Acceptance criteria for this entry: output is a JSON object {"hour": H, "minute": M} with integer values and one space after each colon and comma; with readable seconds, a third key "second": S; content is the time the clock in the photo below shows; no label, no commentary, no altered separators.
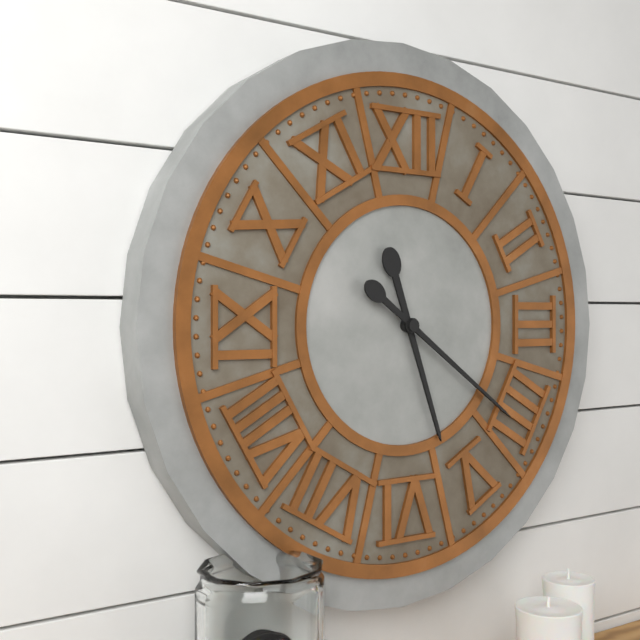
{"hour": 5, "minute": 21}
